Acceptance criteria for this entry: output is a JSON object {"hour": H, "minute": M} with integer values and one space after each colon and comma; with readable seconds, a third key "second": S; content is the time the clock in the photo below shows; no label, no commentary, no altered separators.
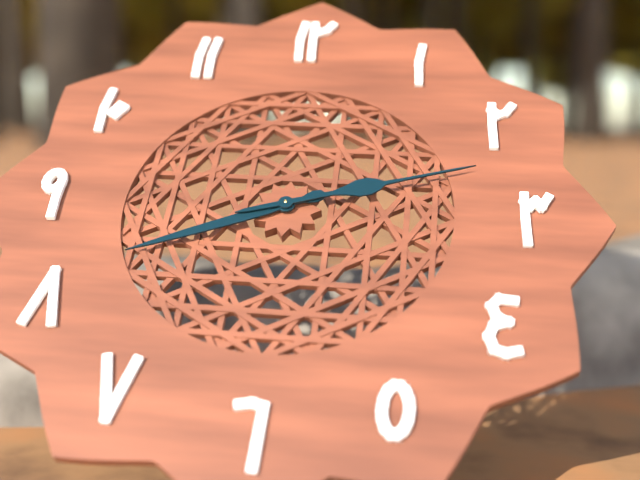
{"hour": 8, "minute": 12}
